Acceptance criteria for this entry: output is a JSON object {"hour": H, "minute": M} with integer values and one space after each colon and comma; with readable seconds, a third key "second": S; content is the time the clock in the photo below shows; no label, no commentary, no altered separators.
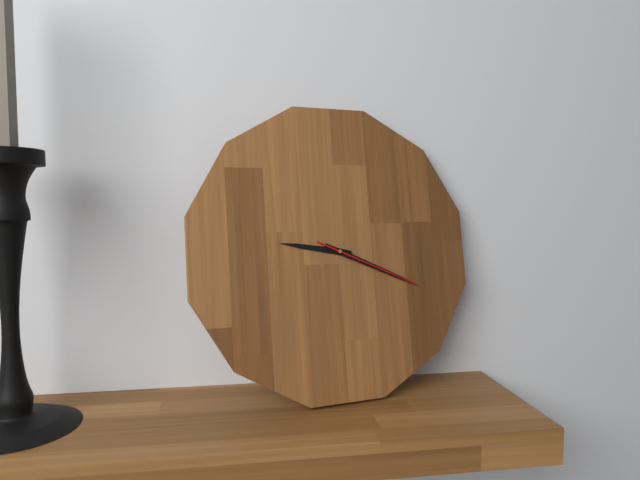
{"hour": 9, "minute": 19, "second": 19}
